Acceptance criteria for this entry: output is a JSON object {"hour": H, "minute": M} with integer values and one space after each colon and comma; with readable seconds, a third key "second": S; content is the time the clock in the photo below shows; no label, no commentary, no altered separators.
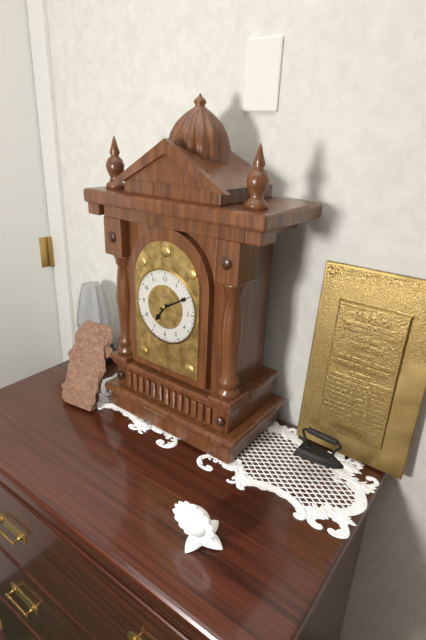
{"hour": 7, "minute": 10}
